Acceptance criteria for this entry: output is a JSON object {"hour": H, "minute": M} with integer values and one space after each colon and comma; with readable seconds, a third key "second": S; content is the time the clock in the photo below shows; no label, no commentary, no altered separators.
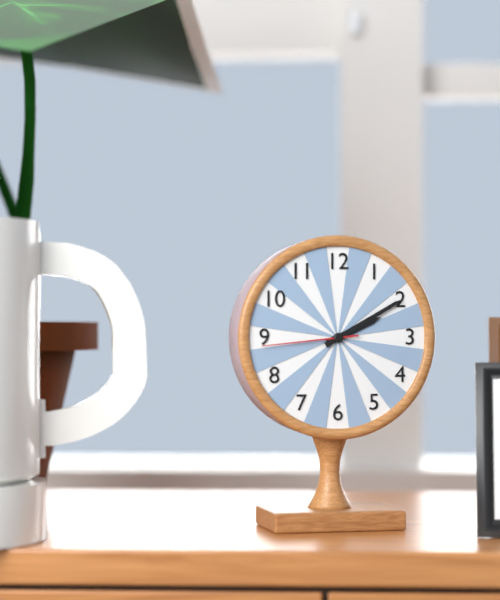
{"hour": 2, "minute": 10, "second": 44}
